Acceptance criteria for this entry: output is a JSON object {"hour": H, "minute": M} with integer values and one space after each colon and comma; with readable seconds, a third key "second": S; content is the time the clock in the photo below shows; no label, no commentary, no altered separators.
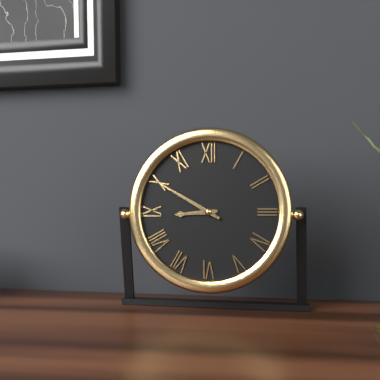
{"hour": 8, "minute": 50}
